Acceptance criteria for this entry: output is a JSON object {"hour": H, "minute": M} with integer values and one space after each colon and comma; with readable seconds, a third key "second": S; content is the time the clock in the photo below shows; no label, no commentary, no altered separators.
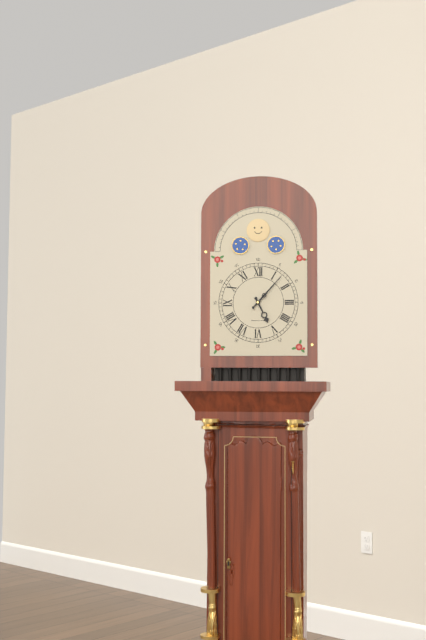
{"hour": 5, "minute": 7}
